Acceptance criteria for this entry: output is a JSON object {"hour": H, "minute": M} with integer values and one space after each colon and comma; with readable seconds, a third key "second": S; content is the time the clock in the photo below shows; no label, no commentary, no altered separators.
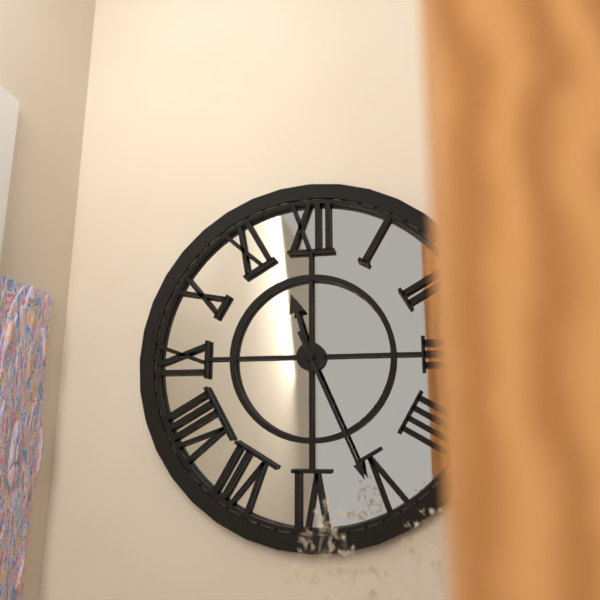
{"hour": 11, "minute": 26}
